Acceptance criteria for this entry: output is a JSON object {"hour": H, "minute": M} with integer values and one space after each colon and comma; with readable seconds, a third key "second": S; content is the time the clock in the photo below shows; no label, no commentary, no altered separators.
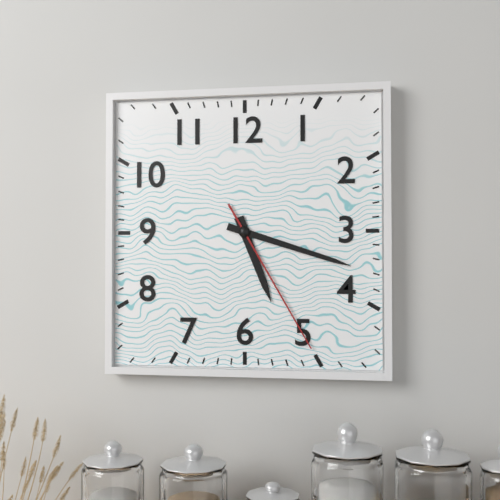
{"hour": 5, "minute": 18, "second": 25}
